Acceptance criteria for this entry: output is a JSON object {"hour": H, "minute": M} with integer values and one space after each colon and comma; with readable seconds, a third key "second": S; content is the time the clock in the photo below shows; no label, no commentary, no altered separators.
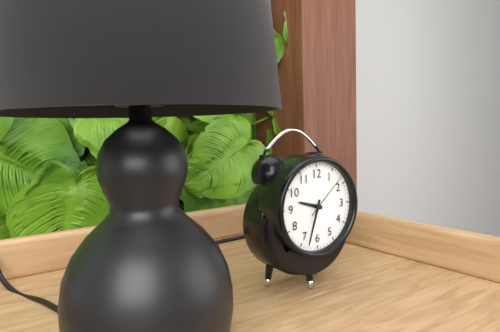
{"hour": 9, "minute": 33}
